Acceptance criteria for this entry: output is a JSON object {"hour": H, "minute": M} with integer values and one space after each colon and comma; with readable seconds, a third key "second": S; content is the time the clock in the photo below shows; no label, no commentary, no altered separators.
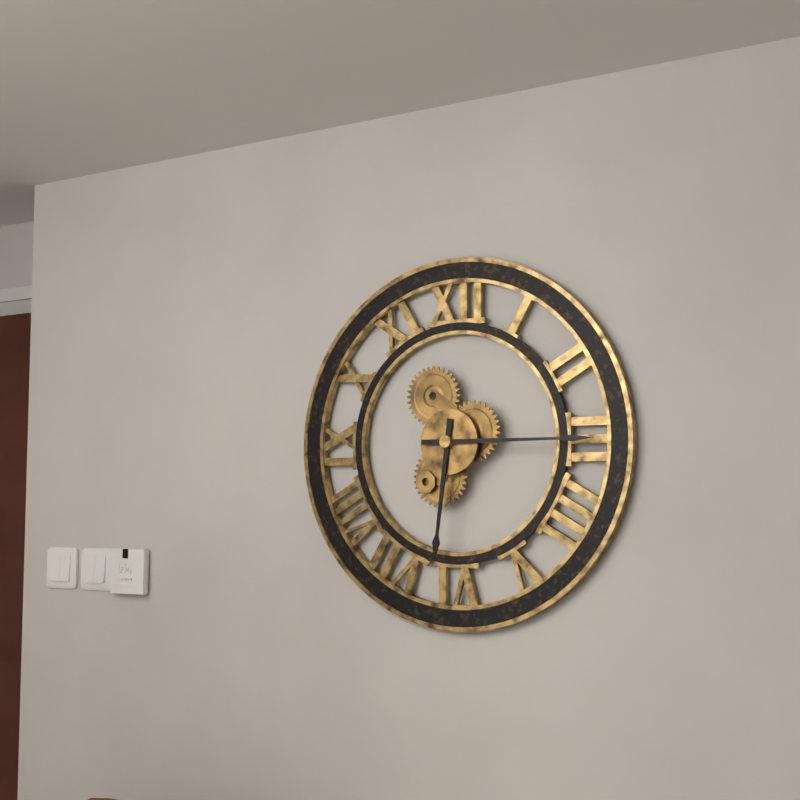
{"hour": 6, "minute": 15}
